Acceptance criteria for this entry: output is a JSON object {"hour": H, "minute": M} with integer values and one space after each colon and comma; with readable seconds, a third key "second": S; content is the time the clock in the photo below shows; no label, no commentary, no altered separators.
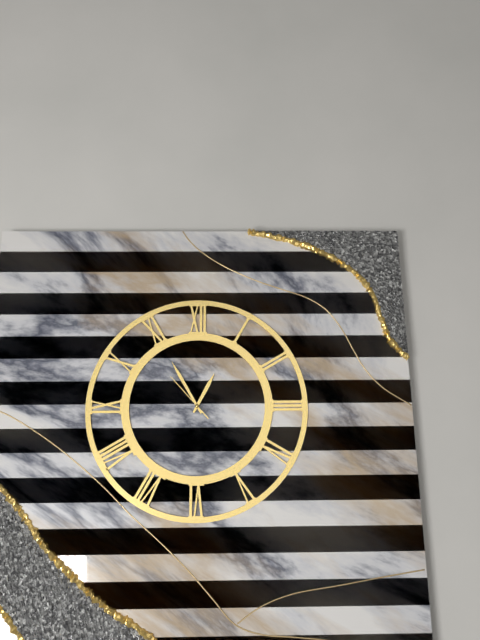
{"hour": 12, "minute": 55, "second": 53}
